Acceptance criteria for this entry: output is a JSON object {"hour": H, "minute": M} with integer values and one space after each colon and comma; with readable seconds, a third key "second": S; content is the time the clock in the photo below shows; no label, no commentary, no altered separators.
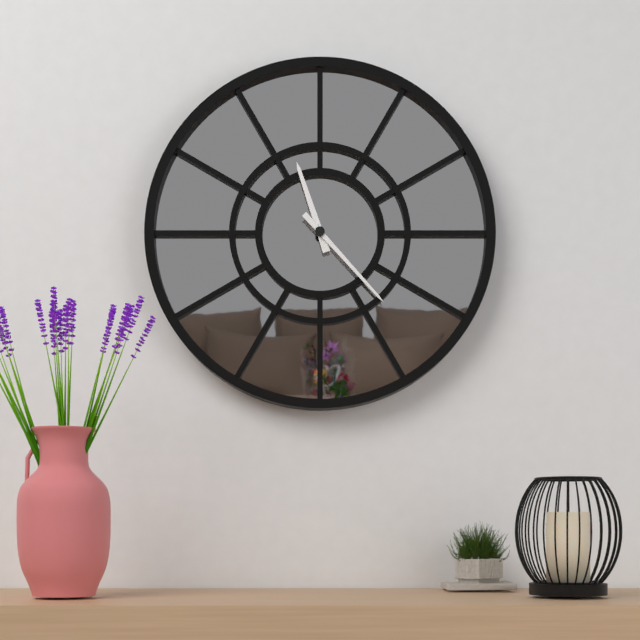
{"hour": 11, "minute": 23}
